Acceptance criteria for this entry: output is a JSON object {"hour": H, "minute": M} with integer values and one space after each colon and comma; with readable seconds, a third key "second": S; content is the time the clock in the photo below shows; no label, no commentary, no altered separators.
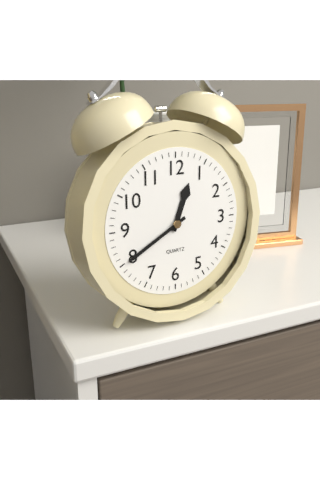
{"hour": 12, "minute": 40}
